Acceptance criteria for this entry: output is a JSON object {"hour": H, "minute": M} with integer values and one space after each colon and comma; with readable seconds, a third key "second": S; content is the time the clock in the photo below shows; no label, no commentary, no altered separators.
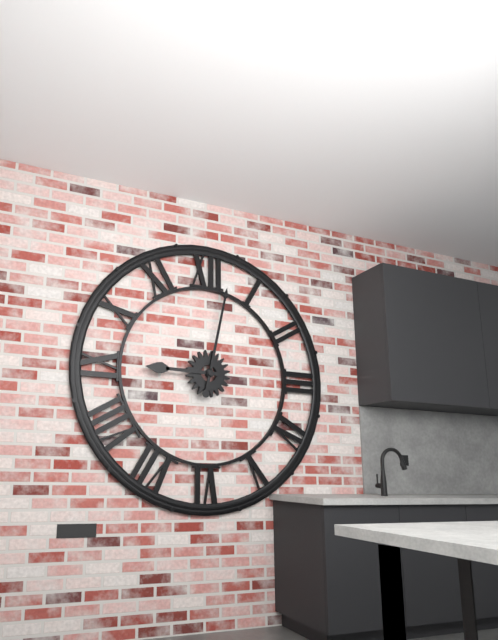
{"hour": 9, "minute": 2}
